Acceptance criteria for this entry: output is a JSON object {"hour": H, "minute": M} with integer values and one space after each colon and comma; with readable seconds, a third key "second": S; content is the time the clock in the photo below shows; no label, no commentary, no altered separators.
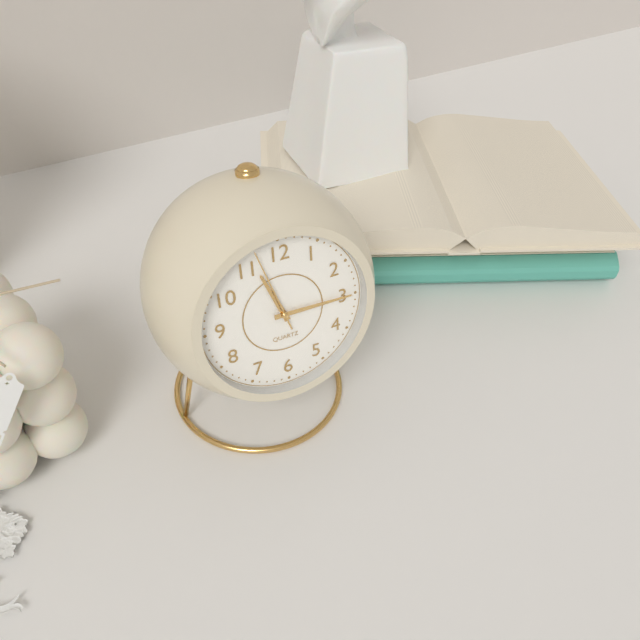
{"hour": 11, "minute": 15, "second": 57}
